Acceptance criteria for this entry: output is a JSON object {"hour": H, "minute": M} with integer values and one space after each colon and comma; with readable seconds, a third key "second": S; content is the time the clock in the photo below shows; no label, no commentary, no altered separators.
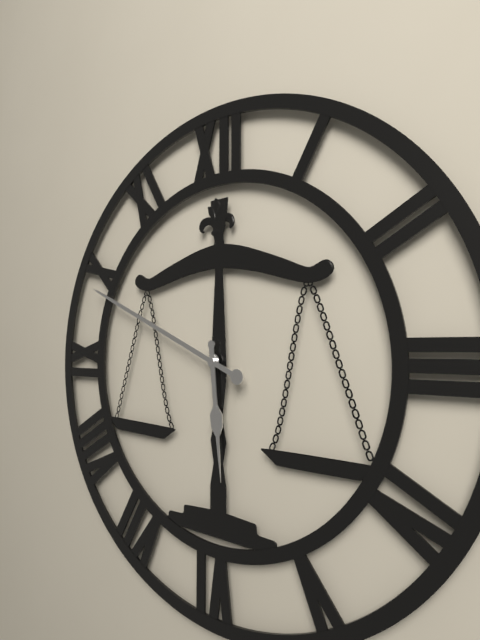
{"hour": 5, "minute": 49}
